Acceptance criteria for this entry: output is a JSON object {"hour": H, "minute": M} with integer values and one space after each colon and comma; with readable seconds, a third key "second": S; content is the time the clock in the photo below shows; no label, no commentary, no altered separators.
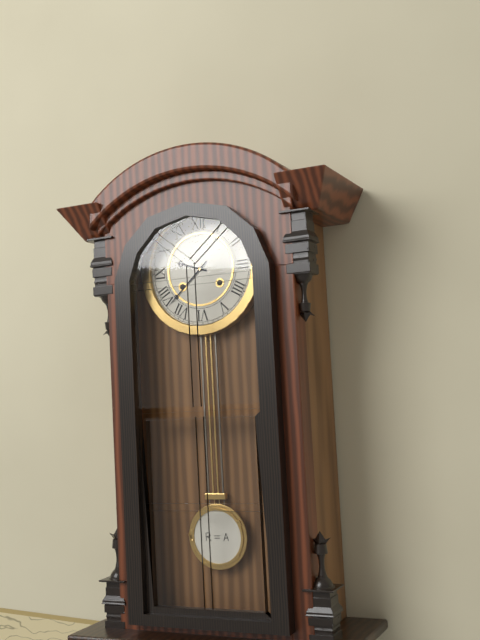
{"hour": 9, "minute": 38}
